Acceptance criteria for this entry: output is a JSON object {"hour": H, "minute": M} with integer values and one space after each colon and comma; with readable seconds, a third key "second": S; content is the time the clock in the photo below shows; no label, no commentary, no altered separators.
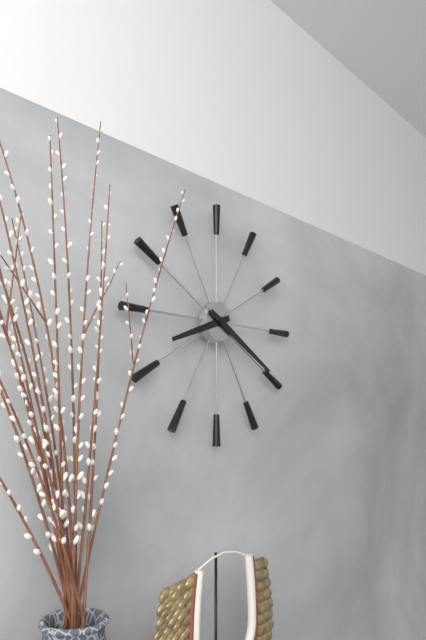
{"hour": 8, "minute": 20}
